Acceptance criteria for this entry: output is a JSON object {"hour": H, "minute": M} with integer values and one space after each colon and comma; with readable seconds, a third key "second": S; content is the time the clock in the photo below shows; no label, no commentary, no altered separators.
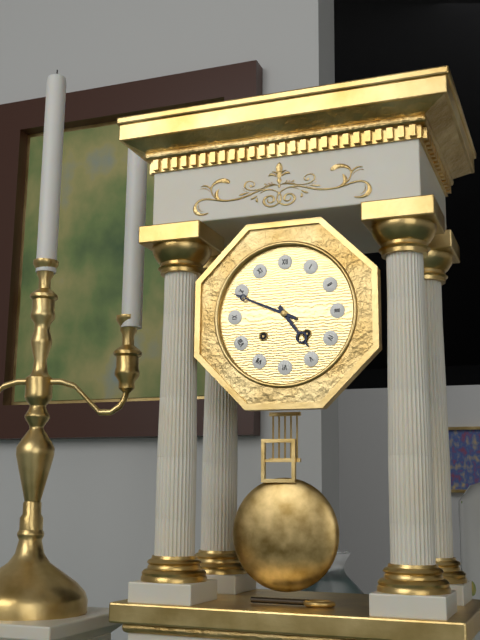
{"hour": 4, "minute": 49}
